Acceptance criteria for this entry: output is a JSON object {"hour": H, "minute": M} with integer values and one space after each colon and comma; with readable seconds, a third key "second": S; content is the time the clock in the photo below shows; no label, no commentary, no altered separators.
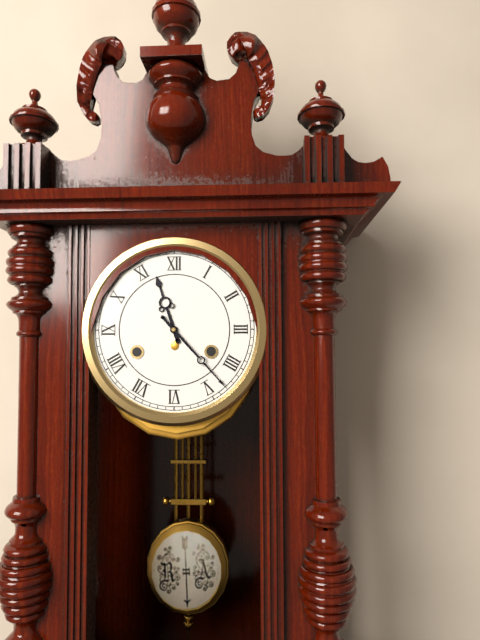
{"hour": 11, "minute": 23}
